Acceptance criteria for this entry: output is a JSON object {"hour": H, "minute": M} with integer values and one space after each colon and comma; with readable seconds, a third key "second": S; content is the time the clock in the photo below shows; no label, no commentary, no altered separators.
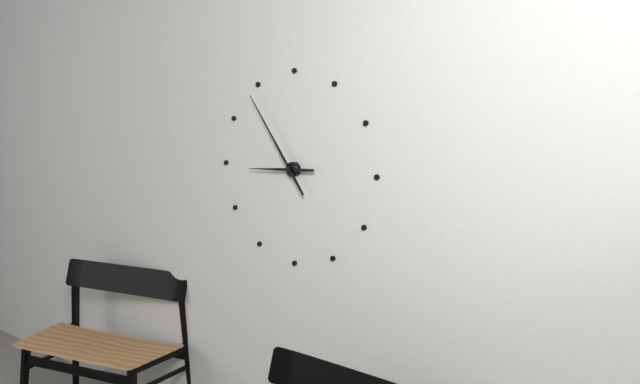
{"hour": 8, "minute": 54}
